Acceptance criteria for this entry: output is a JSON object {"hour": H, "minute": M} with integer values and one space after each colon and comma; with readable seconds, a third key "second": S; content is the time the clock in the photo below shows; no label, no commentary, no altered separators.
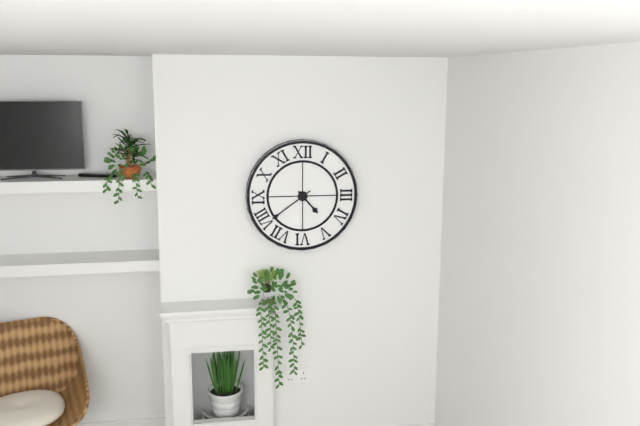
{"hour": 4, "minute": 39}
